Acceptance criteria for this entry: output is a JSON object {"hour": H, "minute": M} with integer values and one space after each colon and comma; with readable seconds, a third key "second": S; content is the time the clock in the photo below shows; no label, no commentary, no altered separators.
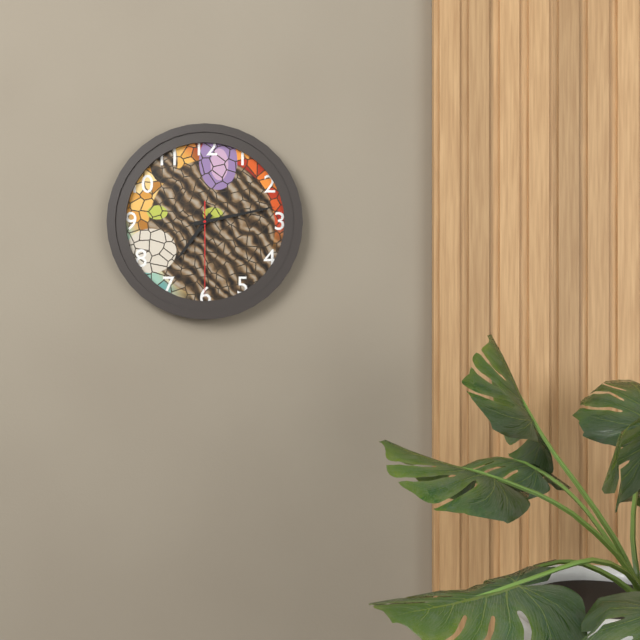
{"hour": 7, "minute": 13, "second": 30}
